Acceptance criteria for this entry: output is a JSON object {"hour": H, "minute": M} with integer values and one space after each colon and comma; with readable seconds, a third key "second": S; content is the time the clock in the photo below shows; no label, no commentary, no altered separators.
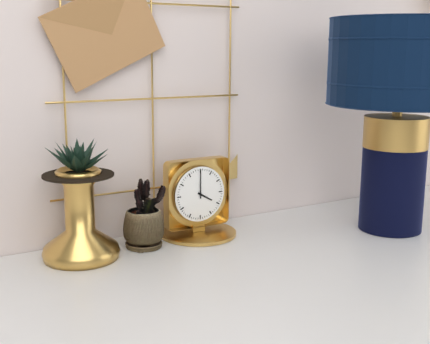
{"hour": 4, "minute": 0}
